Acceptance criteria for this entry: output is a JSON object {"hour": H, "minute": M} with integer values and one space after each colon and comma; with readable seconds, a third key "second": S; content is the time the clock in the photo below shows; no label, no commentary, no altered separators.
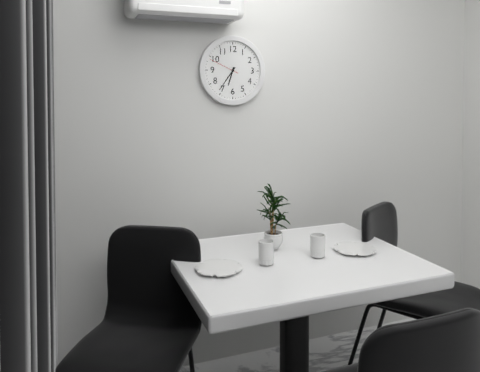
{"hour": 6, "minute": 36}
